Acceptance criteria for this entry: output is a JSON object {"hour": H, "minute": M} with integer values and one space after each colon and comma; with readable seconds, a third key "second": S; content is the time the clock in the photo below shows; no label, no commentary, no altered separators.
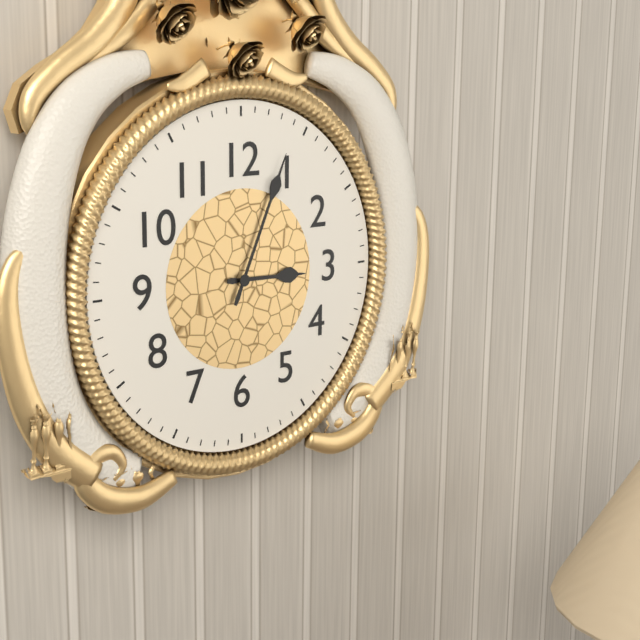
{"hour": 3, "minute": 4}
